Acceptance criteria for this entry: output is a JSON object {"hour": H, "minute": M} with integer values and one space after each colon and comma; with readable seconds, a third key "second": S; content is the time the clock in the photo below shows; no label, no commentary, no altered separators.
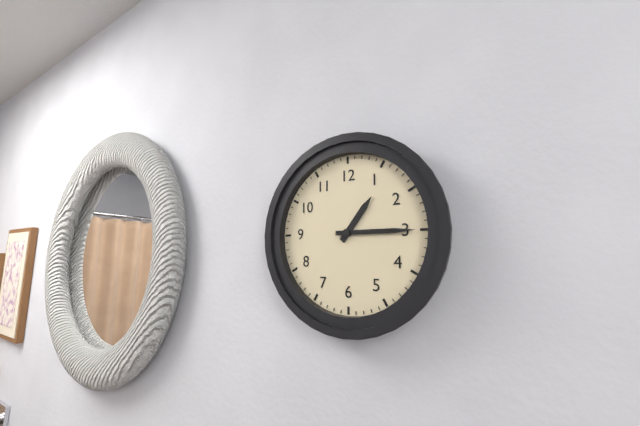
{"hour": 1, "minute": 15}
